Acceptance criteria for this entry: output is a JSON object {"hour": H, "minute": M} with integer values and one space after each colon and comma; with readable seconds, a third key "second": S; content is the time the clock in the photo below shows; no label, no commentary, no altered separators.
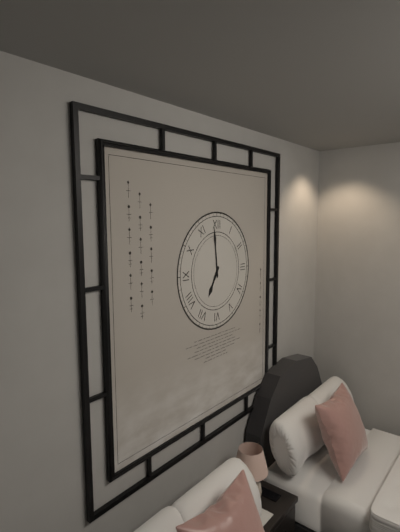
{"hour": 6, "minute": 59}
